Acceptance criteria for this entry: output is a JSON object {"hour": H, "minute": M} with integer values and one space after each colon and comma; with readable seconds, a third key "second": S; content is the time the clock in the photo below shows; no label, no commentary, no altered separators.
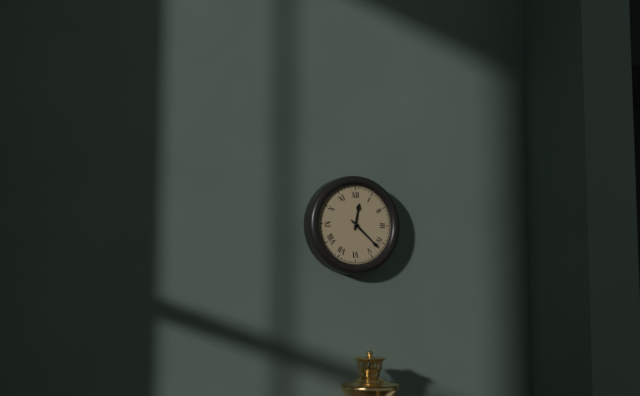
{"hour": 12, "minute": 22}
